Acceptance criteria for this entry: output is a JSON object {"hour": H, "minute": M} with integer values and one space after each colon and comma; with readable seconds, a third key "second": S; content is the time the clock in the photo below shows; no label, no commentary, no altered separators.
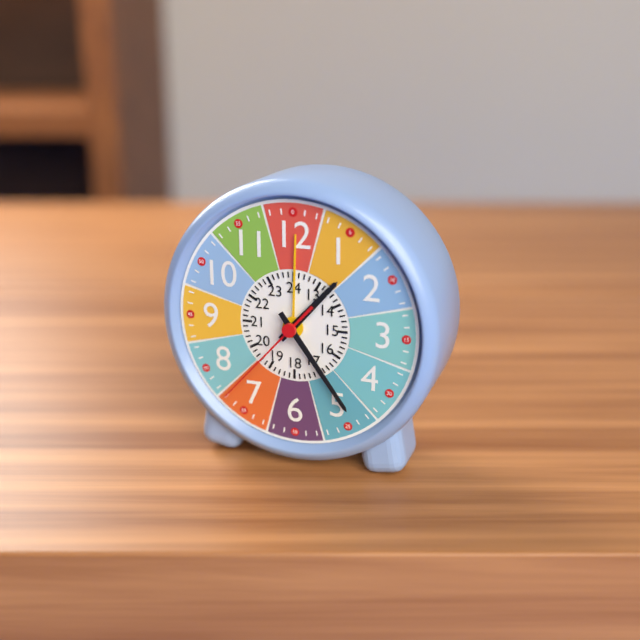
{"hour": 1, "minute": 24, "second": 37}
